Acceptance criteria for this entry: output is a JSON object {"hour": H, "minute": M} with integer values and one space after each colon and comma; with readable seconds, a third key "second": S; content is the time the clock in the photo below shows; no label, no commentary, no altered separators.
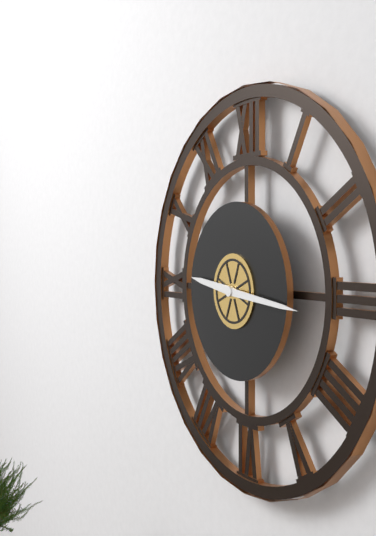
{"hour": 9, "minute": 16}
